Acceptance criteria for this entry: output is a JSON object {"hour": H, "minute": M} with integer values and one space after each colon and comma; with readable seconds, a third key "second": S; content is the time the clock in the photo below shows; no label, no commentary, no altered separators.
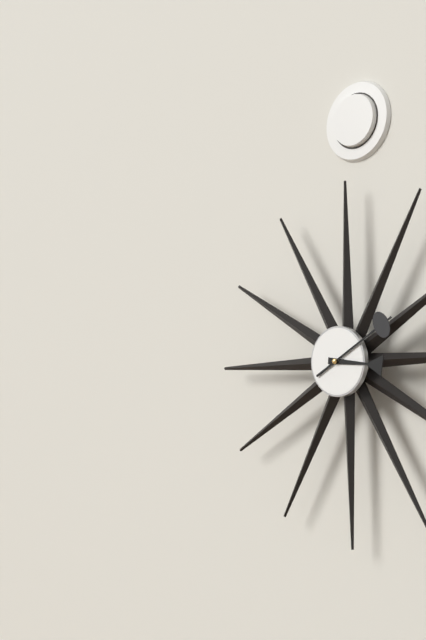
{"hour": 3, "minute": 10}
